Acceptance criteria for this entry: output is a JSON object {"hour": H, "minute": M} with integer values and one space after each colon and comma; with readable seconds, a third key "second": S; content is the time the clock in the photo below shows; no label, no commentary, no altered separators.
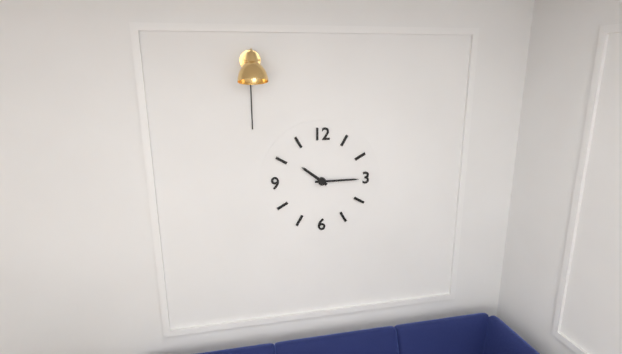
{"hour": 10, "minute": 15}
